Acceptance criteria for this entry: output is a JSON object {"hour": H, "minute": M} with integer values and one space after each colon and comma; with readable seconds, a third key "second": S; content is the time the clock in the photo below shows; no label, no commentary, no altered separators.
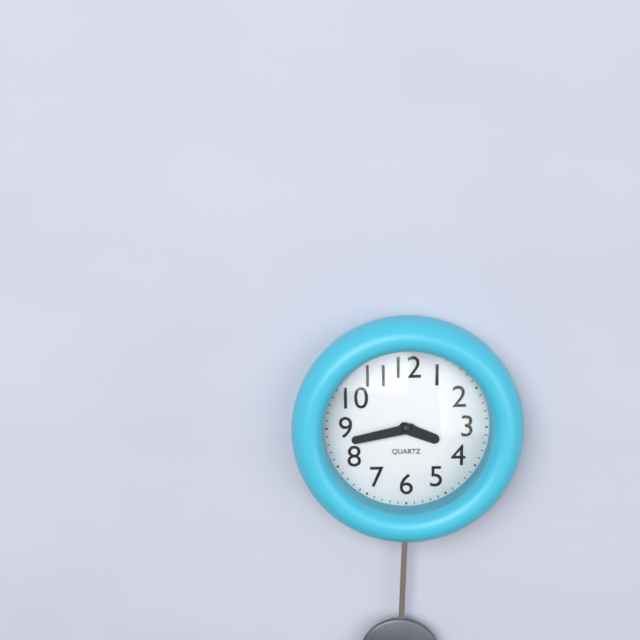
{"hour": 3, "minute": 43}
